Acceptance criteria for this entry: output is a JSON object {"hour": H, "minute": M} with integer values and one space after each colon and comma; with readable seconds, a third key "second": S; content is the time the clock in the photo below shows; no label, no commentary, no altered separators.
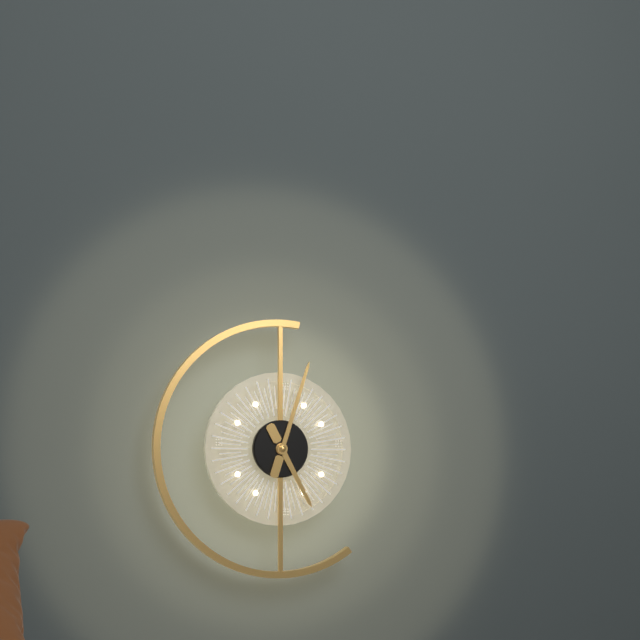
{"hour": 5, "minute": 3}
